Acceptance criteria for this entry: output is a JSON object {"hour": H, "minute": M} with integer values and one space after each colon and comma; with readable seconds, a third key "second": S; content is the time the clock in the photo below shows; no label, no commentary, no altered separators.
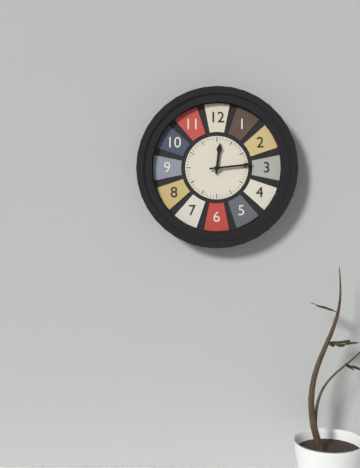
{"hour": 12, "minute": 14}
